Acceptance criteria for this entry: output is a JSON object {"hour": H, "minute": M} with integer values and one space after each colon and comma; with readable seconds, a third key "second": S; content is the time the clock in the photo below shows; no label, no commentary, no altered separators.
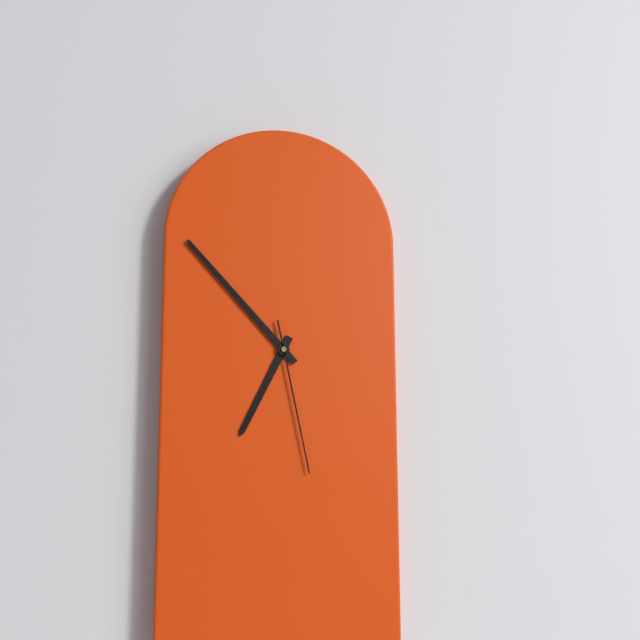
{"hour": 6, "minute": 53, "second": 28}
